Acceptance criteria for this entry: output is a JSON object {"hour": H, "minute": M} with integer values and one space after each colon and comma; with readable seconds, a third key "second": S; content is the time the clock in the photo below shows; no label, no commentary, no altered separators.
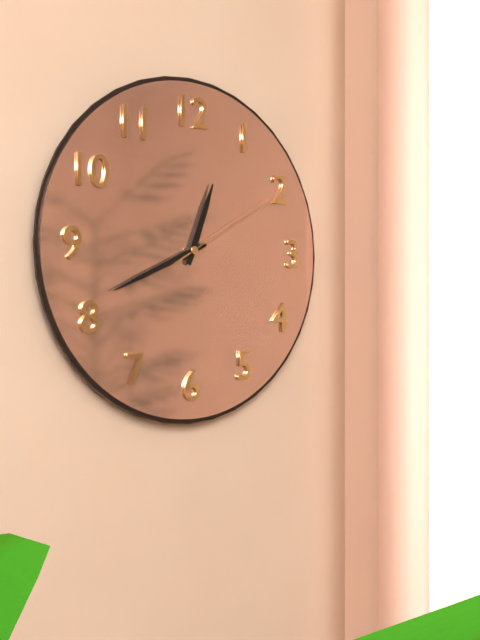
{"hour": 12, "minute": 41, "second": 10}
